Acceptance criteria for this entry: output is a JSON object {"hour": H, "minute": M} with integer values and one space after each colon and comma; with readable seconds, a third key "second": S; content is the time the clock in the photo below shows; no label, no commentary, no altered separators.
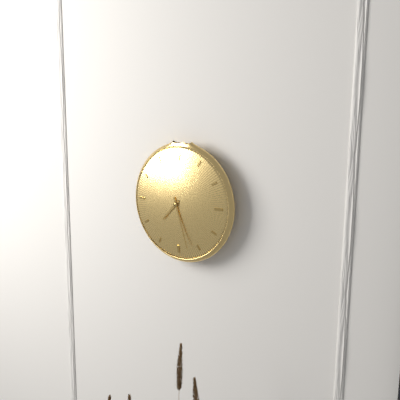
{"hour": 7, "minute": 27}
